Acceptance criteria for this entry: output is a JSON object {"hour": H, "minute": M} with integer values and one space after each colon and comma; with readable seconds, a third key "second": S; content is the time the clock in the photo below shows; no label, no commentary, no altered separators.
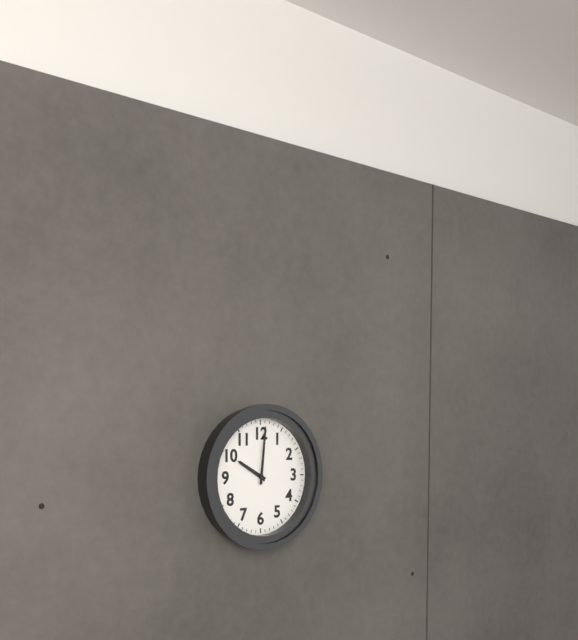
{"hour": 10, "minute": 1}
